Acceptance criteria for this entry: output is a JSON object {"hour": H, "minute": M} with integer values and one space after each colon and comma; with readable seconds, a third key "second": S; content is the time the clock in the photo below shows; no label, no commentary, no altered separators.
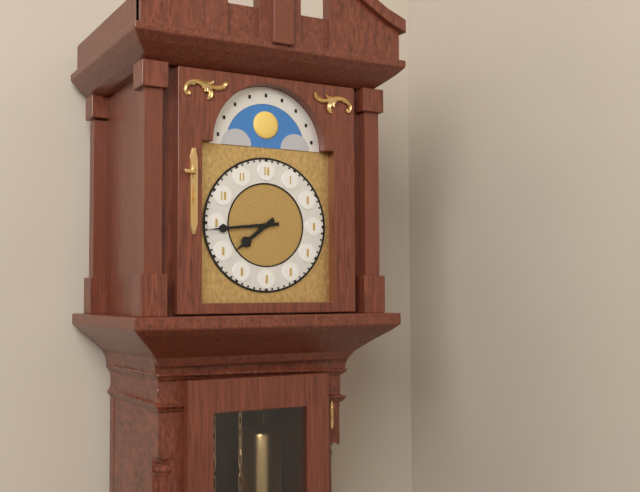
{"hour": 7, "minute": 44}
